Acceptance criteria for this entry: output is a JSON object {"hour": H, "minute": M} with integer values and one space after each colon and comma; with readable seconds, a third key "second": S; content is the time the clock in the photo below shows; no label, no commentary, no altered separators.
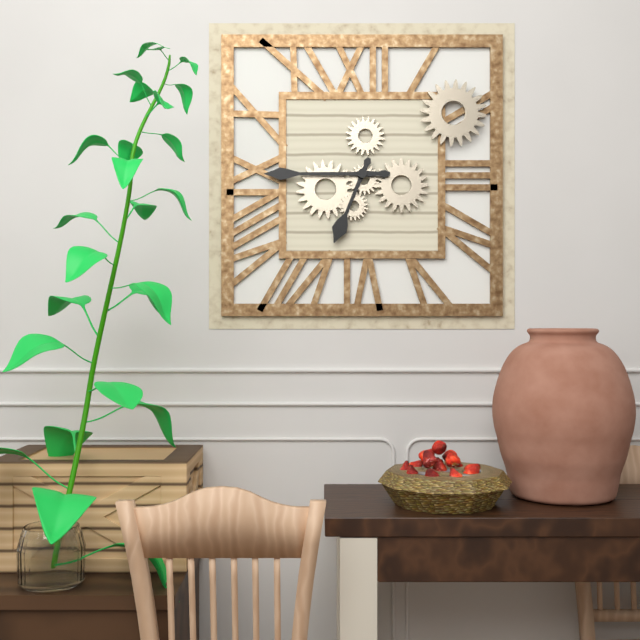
{"hour": 6, "minute": 45}
